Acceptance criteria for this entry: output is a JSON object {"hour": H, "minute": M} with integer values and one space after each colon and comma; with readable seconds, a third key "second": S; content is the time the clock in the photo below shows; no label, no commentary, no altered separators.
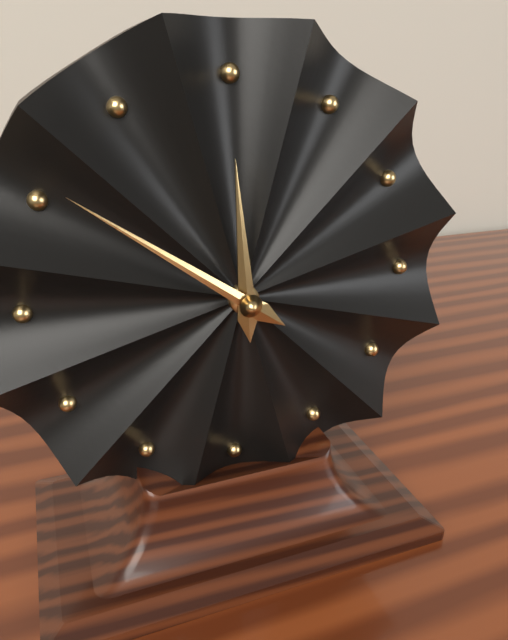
{"hour": 11, "minute": 51}
